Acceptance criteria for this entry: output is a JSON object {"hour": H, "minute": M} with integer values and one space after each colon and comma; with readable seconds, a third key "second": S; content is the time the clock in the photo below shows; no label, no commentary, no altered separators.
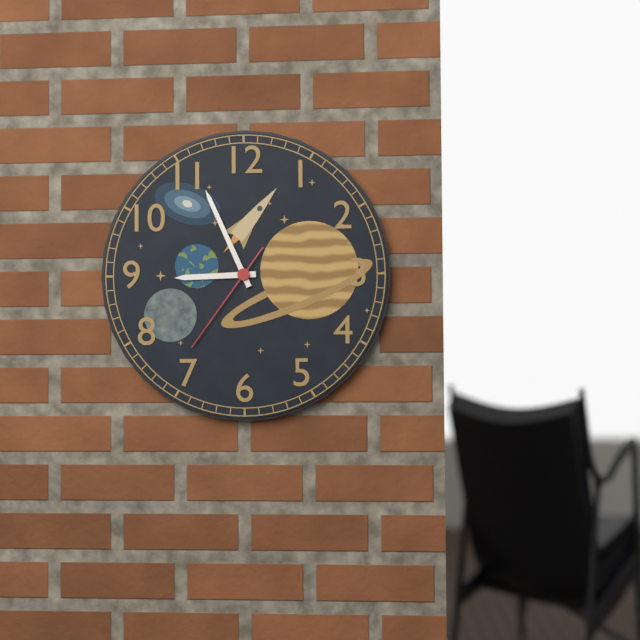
{"hour": 8, "minute": 56, "second": 36}
